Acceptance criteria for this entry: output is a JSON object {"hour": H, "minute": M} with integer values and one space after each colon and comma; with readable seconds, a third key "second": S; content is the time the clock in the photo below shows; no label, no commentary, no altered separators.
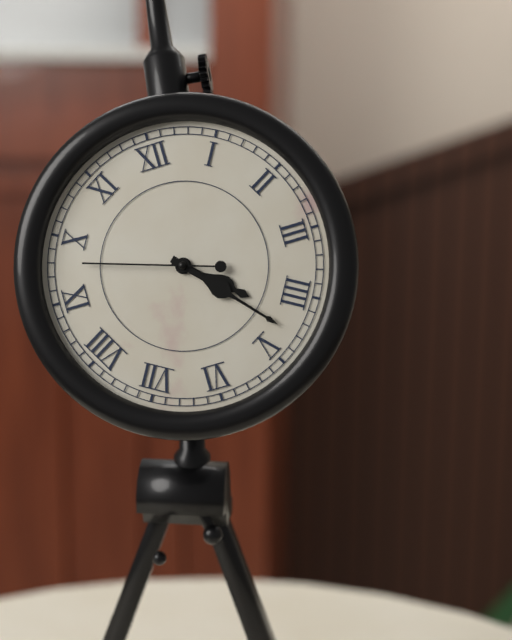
{"hour": 4, "minute": 23, "second": 48}
